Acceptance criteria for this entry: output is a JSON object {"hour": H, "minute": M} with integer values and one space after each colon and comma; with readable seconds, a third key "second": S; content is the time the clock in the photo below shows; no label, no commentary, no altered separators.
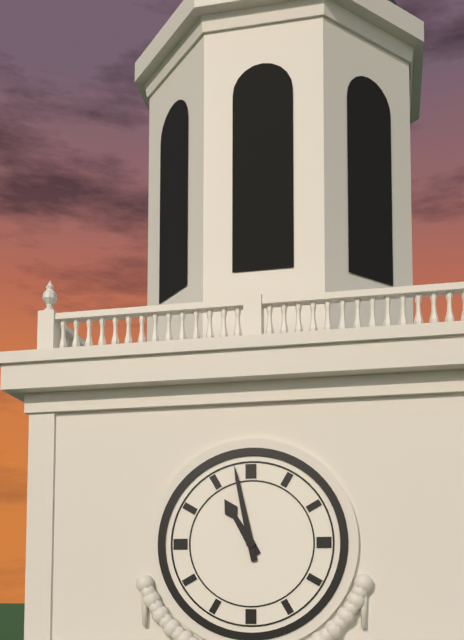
{"hour": 10, "minute": 58}
